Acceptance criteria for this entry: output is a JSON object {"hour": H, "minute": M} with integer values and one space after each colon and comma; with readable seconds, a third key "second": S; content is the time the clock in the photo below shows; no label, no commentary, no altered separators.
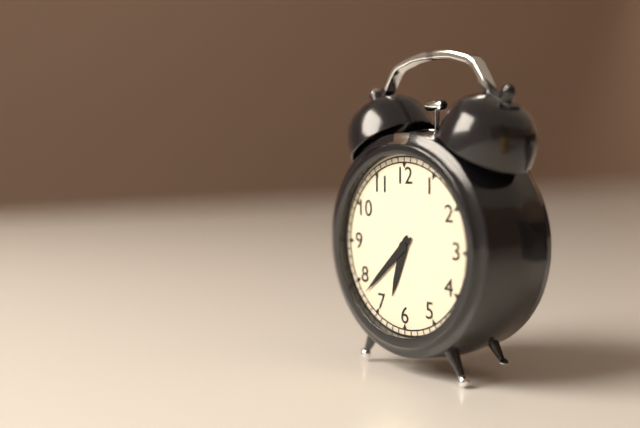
{"hour": 6, "minute": 38}
